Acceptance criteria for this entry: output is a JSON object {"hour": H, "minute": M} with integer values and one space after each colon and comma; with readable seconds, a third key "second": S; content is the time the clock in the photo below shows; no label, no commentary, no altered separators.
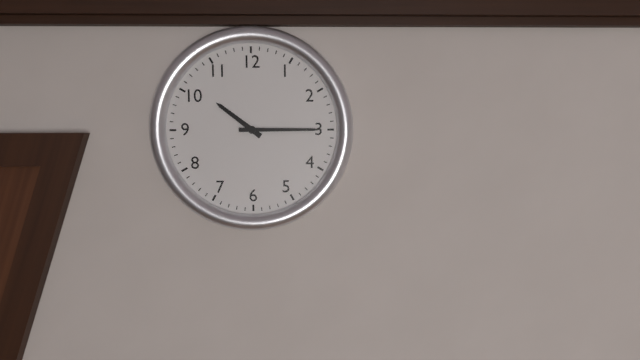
{"hour": 10, "minute": 15}
